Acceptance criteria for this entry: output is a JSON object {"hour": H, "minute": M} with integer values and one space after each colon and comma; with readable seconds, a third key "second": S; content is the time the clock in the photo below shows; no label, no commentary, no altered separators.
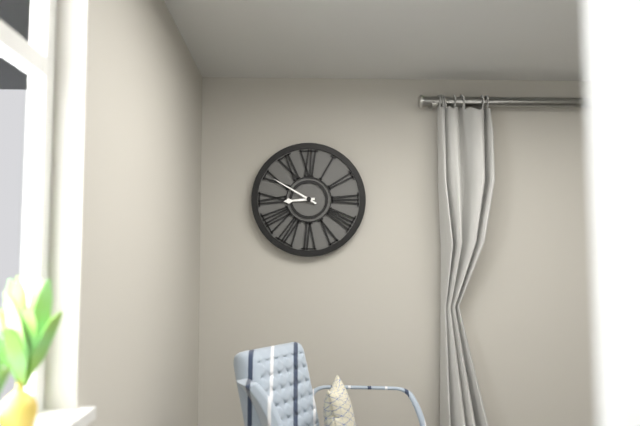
{"hour": 8, "minute": 50}
